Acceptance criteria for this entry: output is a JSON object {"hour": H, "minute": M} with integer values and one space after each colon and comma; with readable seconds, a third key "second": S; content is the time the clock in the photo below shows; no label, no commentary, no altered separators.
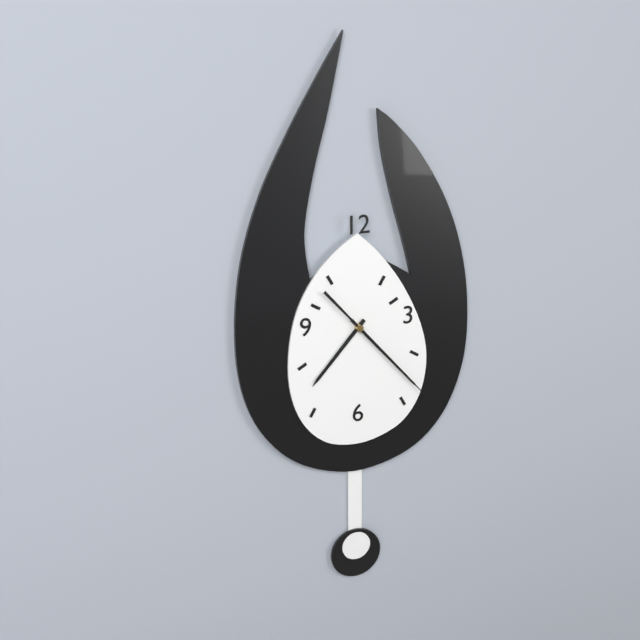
{"hour": 7, "minute": 23, "second": 23}
